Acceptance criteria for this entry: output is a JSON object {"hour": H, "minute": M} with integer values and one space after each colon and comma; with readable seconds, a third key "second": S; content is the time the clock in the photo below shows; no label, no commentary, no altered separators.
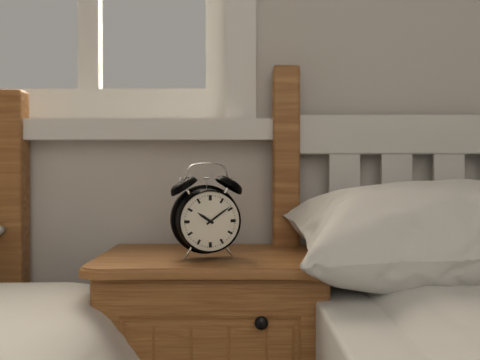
{"hour": 10, "minute": 9}
